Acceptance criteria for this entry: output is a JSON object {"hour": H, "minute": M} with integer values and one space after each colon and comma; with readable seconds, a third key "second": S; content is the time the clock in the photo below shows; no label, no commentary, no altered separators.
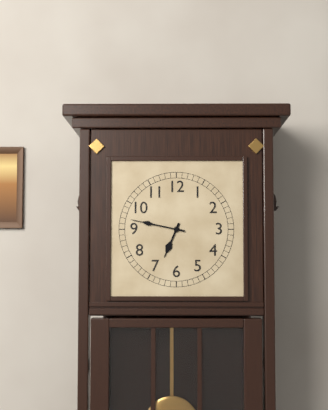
{"hour": 6, "minute": 47}
